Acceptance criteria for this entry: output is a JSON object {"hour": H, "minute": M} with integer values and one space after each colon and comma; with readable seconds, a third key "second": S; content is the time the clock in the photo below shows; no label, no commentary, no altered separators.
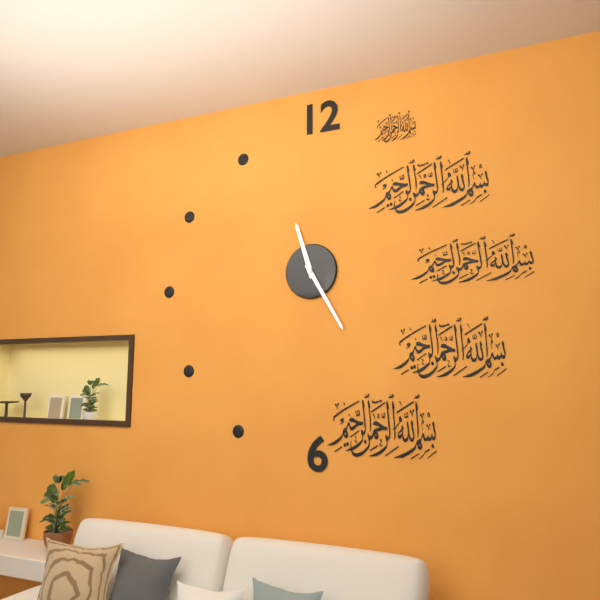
{"hour": 11, "minute": 25}
